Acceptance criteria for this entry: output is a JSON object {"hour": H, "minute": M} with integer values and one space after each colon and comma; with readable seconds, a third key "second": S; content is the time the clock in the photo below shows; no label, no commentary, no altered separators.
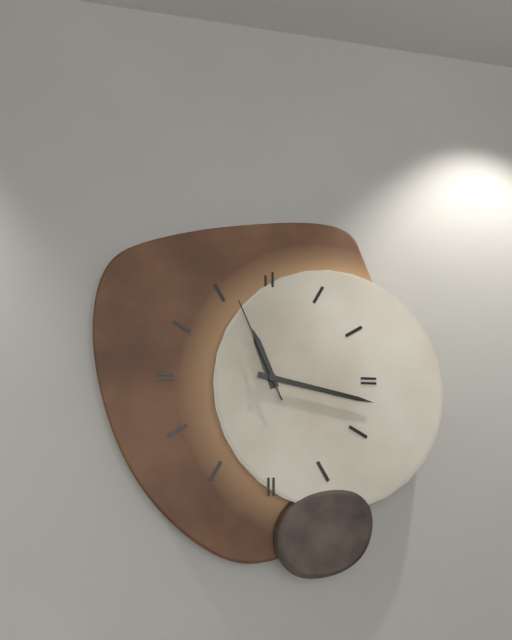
{"hour": 11, "minute": 17, "second": 56}
